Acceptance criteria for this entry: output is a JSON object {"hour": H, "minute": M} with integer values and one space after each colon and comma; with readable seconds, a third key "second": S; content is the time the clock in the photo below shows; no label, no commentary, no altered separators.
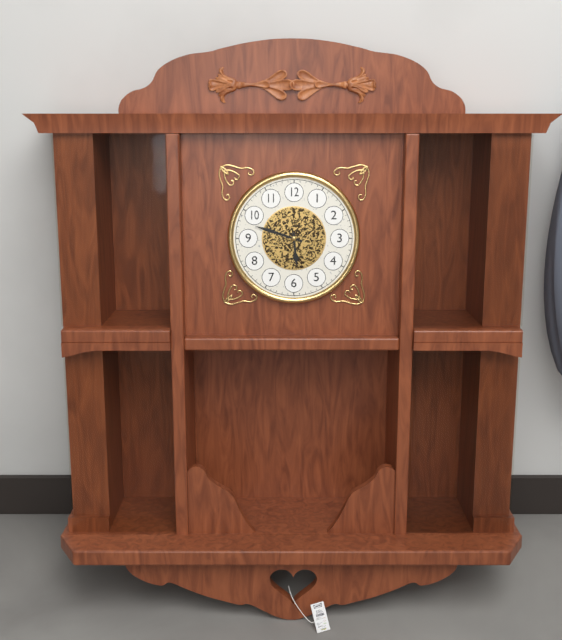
{"hour": 5, "minute": 48}
